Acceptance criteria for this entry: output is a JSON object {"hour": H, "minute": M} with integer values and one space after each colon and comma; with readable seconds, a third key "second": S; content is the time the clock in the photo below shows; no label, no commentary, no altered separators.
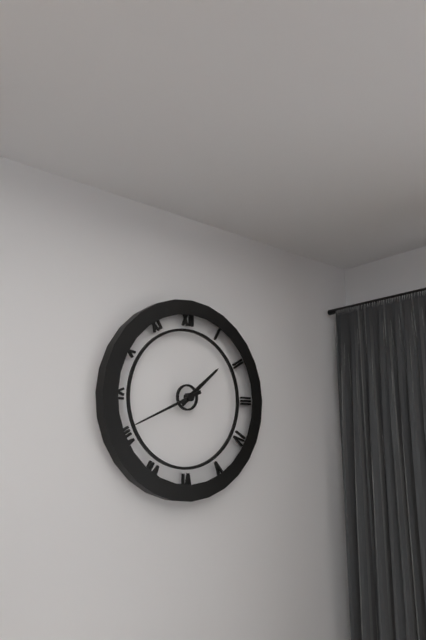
{"hour": 1, "minute": 41}
